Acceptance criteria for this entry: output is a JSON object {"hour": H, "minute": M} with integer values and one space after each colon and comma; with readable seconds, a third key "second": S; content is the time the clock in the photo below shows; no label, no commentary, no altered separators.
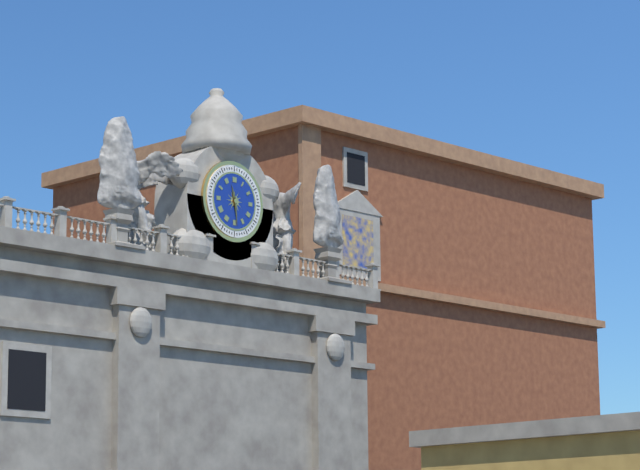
{"hour": 11, "minute": 29}
